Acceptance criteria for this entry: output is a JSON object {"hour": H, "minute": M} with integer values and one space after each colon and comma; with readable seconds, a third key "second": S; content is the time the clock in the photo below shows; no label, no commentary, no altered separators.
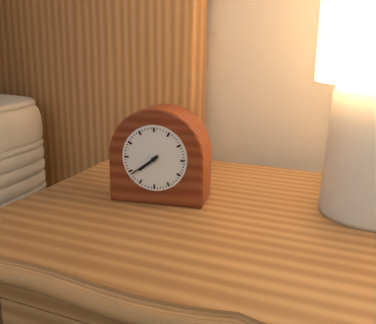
{"hour": 7, "minute": 39}
